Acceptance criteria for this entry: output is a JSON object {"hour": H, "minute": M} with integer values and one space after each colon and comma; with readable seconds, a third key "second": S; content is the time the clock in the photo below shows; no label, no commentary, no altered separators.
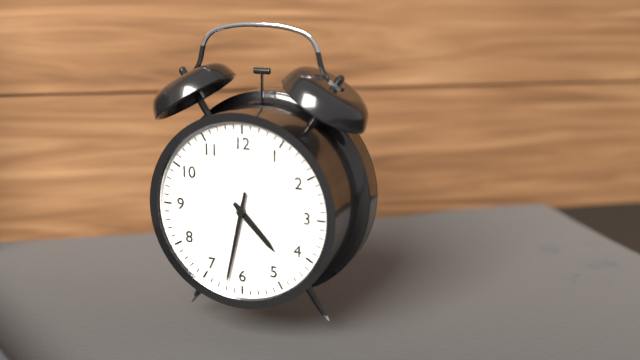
{"hour": 4, "minute": 32}
